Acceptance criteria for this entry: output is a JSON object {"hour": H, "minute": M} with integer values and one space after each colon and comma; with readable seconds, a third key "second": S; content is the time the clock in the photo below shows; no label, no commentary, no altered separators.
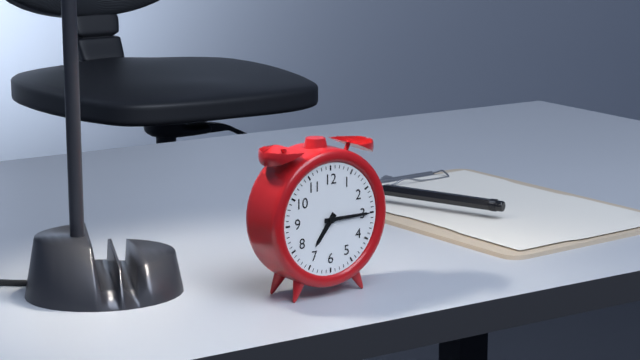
{"hour": 7, "minute": 15}
